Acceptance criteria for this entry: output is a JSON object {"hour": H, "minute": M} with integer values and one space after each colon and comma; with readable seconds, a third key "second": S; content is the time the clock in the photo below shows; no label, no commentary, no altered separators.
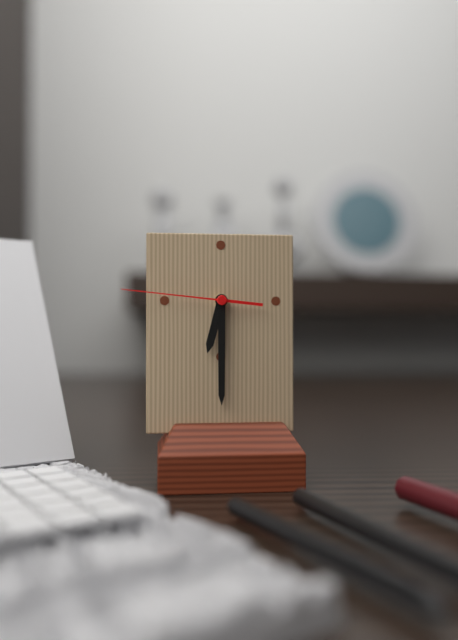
{"hour": 6, "minute": 30, "second": 46}
